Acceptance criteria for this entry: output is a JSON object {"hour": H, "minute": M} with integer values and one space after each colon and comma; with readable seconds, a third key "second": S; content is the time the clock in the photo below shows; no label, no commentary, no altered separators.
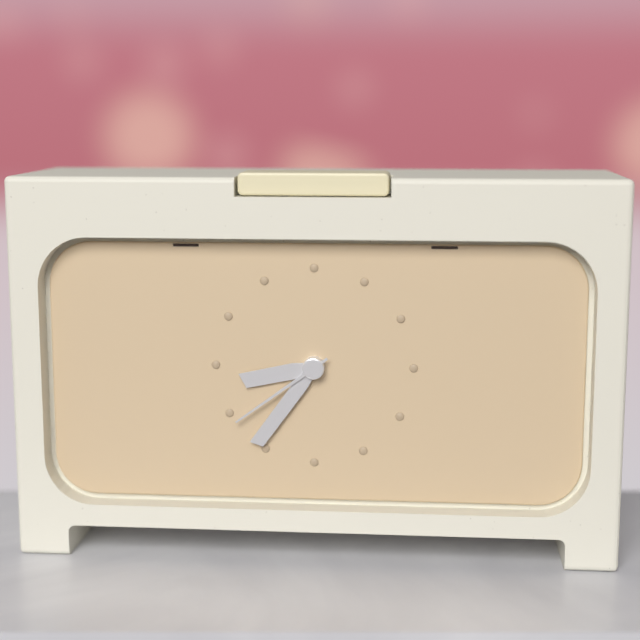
{"hour": 8, "minute": 36, "second": 39}
